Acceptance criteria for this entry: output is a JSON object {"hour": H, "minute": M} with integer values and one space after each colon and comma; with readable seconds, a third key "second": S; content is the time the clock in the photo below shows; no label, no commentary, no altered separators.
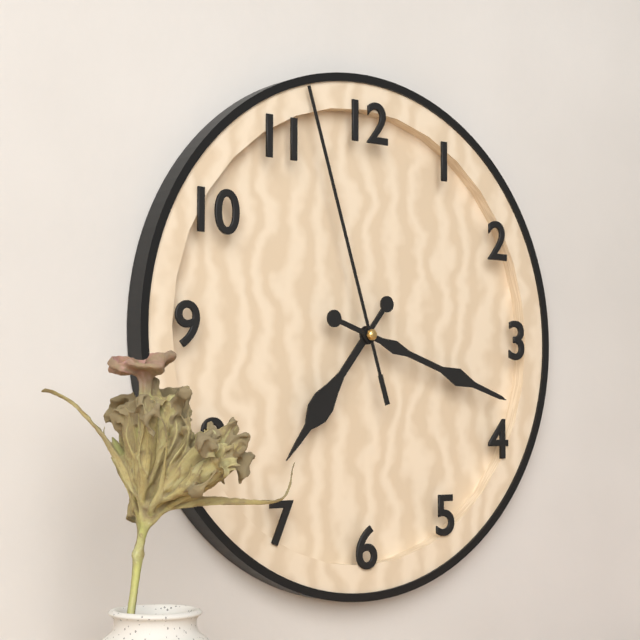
{"hour": 7, "minute": 18, "second": 57}
